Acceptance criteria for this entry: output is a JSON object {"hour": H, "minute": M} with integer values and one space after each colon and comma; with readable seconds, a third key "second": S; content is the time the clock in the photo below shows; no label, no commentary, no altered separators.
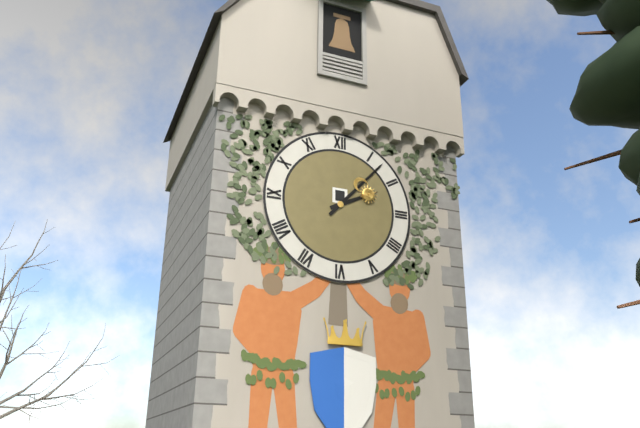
{"hour": 2, "minute": 7}
